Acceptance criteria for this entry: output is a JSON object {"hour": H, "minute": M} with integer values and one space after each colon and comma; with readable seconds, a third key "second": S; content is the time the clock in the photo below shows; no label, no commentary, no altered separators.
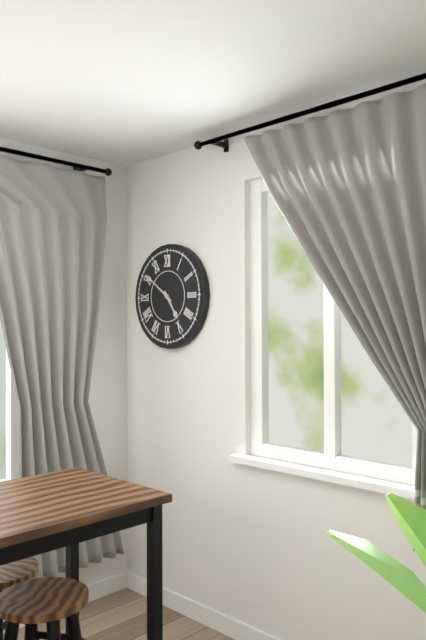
{"hour": 4, "minute": 51}
